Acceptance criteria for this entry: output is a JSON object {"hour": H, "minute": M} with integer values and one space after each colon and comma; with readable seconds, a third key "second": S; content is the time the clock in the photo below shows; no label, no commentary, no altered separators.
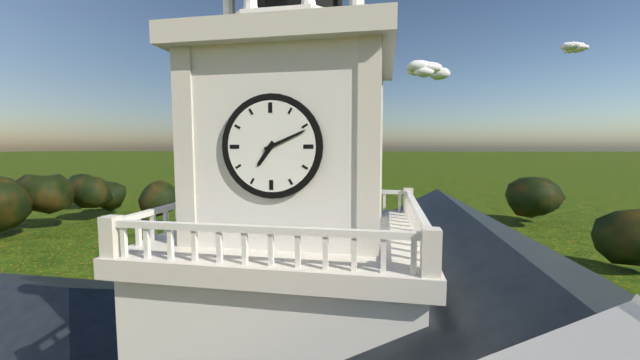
{"hour": 7, "minute": 11}
